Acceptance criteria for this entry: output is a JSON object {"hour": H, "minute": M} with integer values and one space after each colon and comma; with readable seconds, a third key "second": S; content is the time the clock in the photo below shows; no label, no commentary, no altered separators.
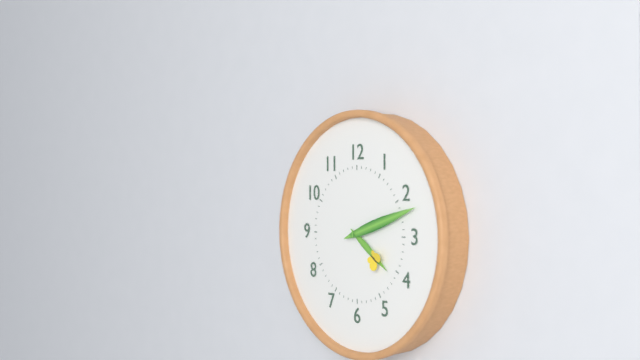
{"hour": 4, "minute": 12}
